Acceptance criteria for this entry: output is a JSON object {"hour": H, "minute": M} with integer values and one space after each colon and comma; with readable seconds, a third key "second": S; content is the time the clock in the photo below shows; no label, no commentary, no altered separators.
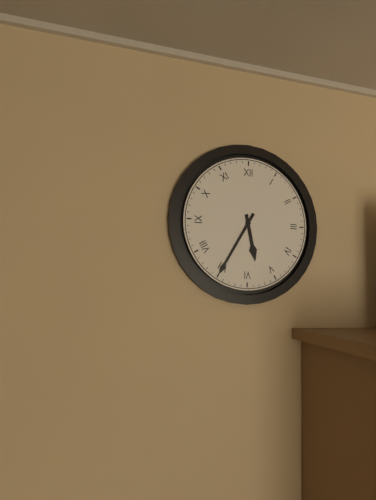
{"hour": 5, "minute": 35}
